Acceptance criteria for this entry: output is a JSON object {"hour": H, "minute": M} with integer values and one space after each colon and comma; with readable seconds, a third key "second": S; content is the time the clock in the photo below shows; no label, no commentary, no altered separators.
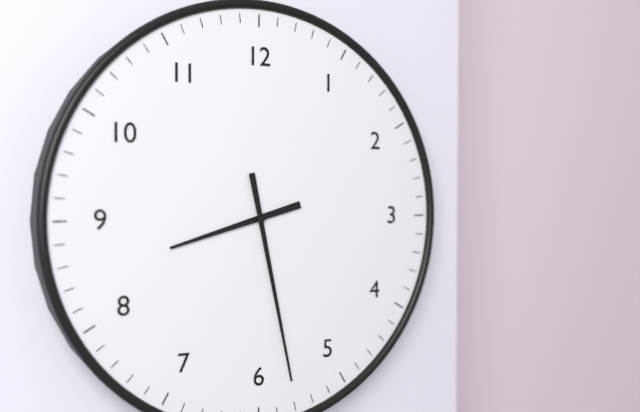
{"hour": 8, "minute": 28}
